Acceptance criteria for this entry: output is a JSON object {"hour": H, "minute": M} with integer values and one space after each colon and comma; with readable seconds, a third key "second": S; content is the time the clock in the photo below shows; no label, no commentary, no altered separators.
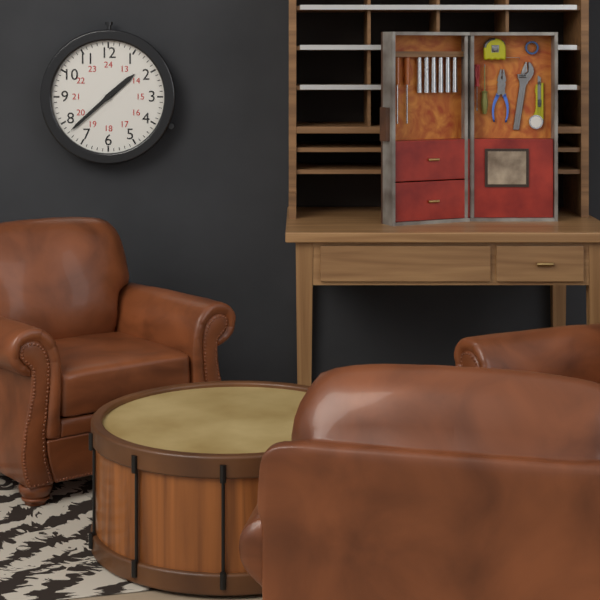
{"hour": 1, "minute": 38}
